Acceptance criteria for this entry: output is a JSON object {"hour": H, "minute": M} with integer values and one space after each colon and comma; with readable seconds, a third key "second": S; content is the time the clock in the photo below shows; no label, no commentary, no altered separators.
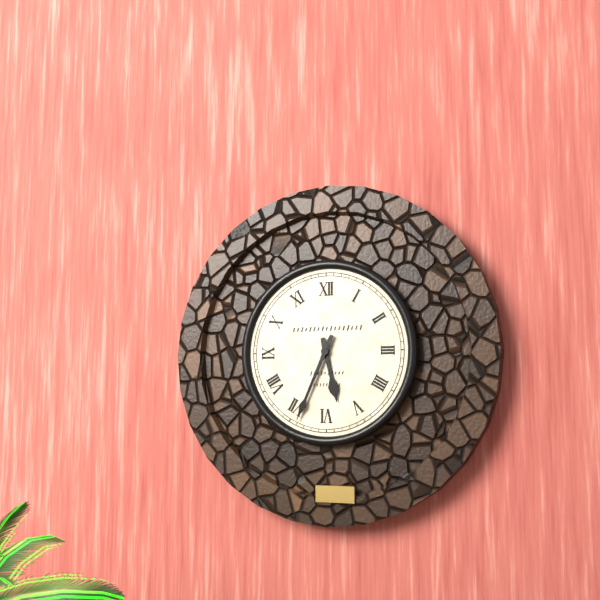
{"hour": 5, "minute": 34}
